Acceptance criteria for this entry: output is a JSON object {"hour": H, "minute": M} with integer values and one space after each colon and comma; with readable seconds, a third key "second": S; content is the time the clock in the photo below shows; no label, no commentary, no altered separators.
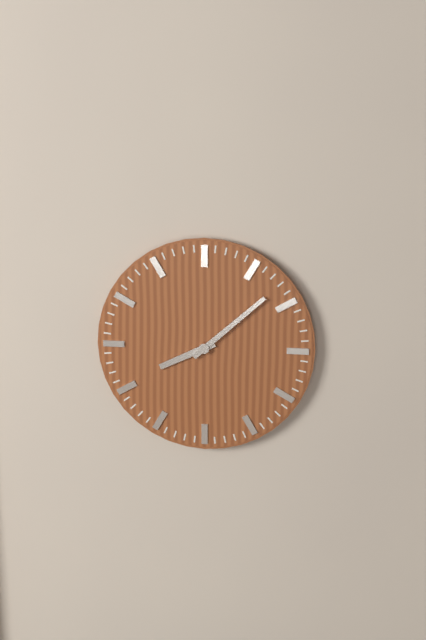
{"hour": 8, "minute": 8}
